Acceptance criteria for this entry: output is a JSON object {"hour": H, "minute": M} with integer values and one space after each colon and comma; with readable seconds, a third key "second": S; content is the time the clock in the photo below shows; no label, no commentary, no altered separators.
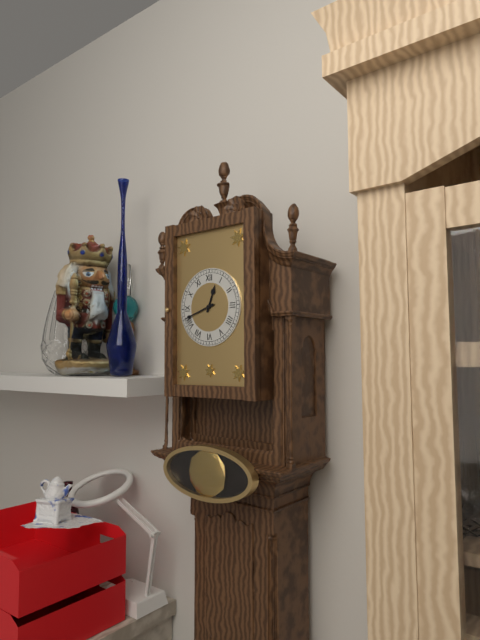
{"hour": 12, "minute": 42}
